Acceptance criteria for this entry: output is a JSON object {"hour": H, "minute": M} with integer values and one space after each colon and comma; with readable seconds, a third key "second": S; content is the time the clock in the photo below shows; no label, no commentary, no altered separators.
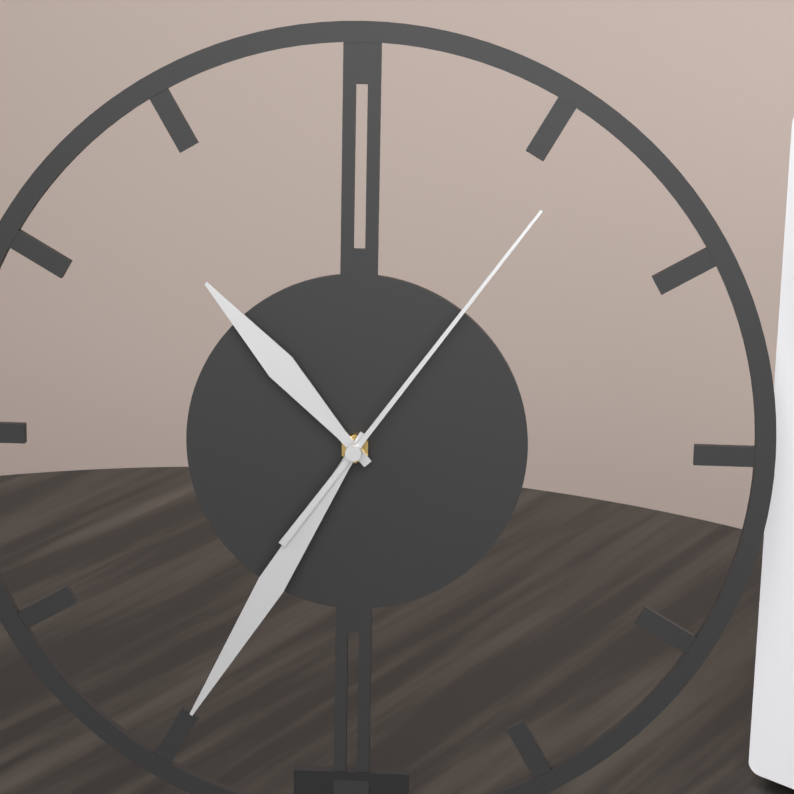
{"hour": 10, "minute": 35, "second": 6}
